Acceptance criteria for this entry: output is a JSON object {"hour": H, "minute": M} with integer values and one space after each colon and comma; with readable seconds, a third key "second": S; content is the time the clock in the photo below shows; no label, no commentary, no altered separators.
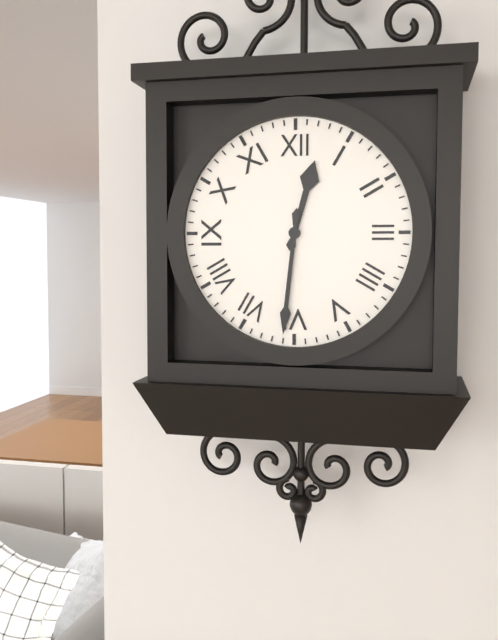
{"hour": 12, "minute": 31}
